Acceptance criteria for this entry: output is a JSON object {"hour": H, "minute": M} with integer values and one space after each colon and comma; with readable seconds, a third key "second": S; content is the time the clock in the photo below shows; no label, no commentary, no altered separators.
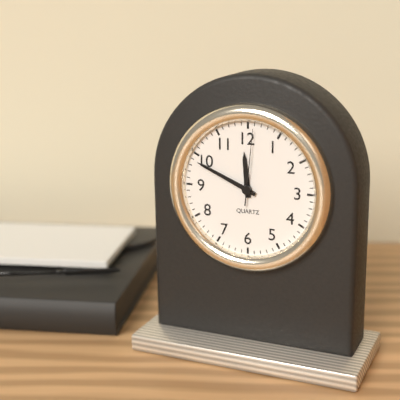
{"hour": 11, "minute": 49, "second": 1}
